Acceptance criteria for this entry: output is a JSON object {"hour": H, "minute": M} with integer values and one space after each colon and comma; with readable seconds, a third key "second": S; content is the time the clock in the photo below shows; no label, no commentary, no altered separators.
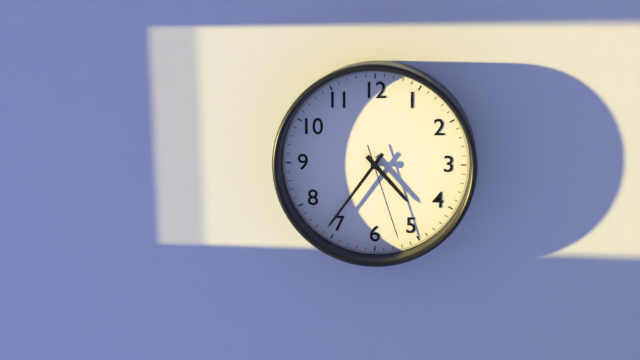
{"hour": 4, "minute": 36, "second": 27}
